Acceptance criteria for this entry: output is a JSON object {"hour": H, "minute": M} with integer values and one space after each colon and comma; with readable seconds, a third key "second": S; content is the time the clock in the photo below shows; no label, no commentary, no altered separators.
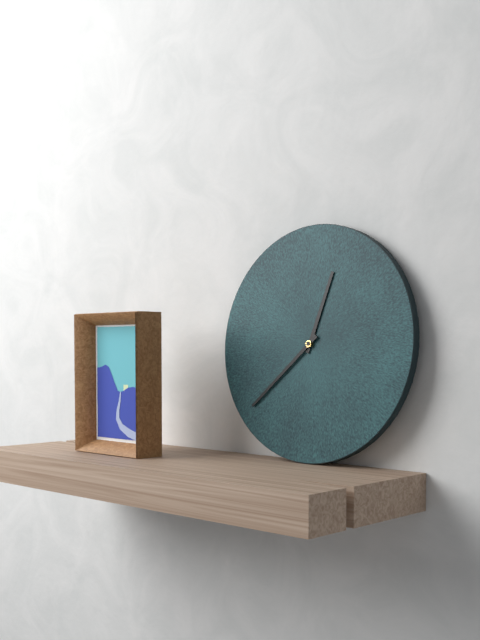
{"hour": 12, "minute": 38}
